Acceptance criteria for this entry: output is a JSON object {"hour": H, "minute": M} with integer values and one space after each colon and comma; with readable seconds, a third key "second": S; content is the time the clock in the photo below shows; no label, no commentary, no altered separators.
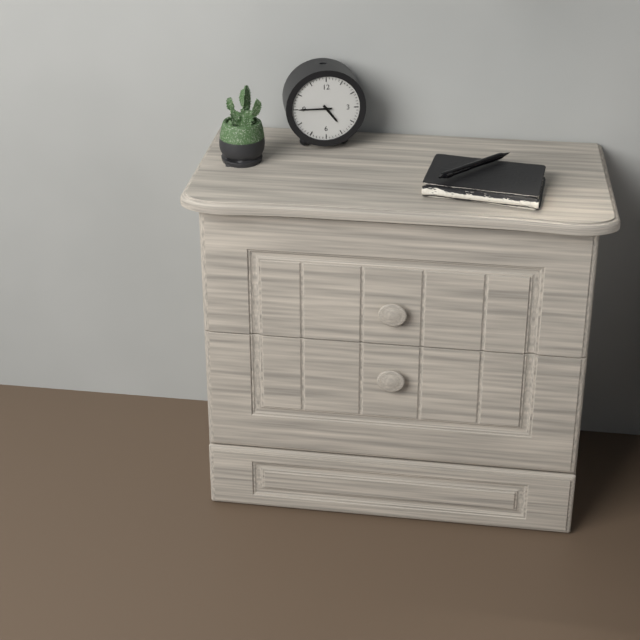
{"hour": 4, "minute": 45}
